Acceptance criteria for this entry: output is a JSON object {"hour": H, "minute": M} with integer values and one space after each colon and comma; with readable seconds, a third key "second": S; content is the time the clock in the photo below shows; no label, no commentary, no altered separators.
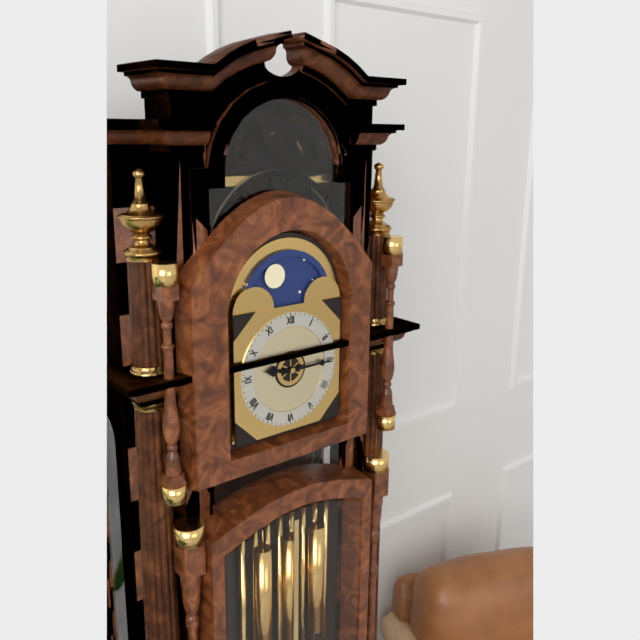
{"hour": 9, "minute": 15}
